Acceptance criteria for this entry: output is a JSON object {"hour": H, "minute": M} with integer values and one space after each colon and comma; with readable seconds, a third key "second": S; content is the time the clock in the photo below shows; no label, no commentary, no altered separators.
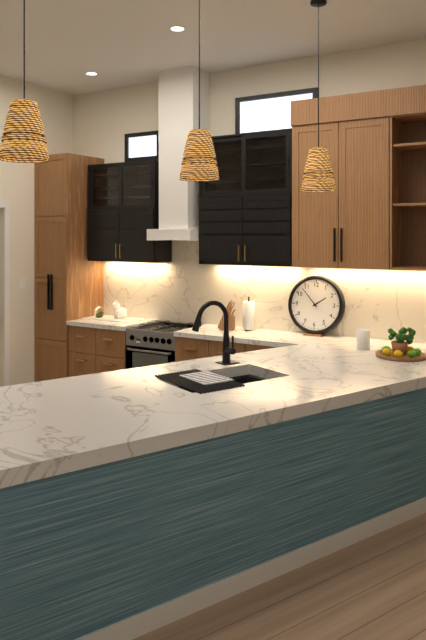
{"hour": 1, "minute": 53}
